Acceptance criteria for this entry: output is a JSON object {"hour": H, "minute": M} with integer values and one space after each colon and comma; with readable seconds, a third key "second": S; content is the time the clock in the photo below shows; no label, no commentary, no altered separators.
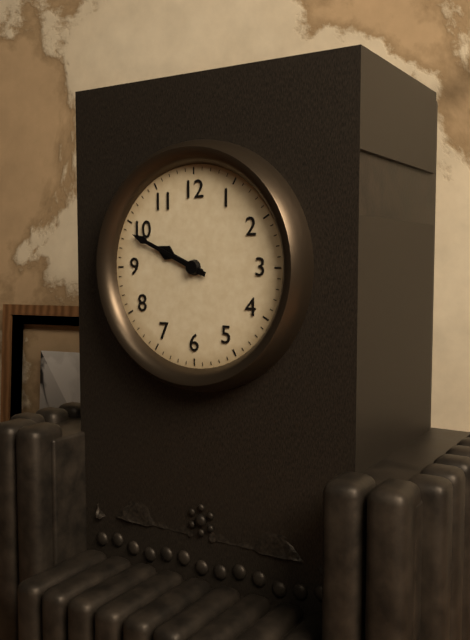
{"hour": 9, "minute": 49}
